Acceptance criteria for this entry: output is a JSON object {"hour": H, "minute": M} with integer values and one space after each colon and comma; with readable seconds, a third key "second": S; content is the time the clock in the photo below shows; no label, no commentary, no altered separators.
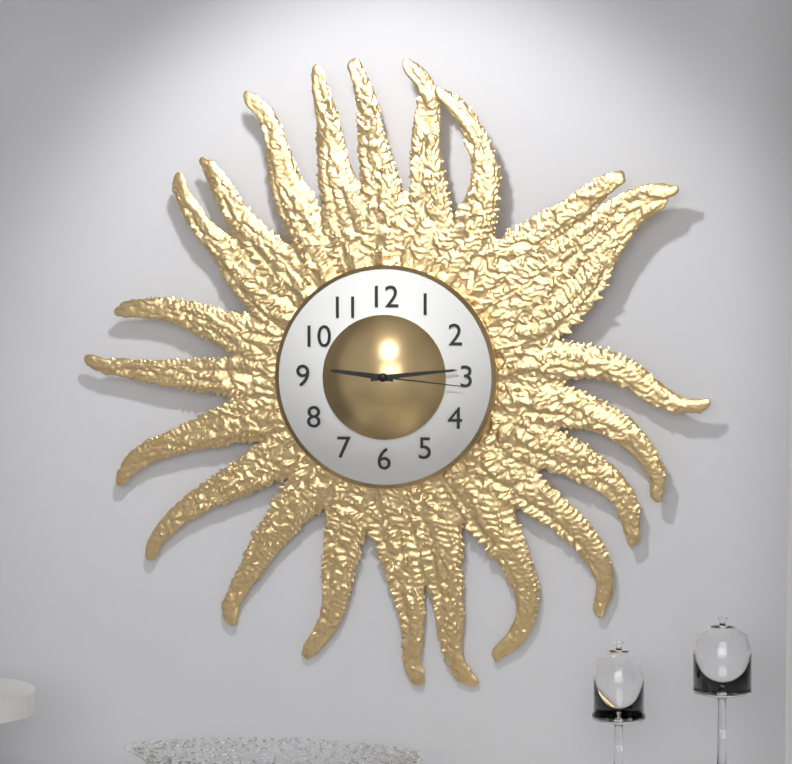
{"hour": 9, "minute": 14, "second": 16}
